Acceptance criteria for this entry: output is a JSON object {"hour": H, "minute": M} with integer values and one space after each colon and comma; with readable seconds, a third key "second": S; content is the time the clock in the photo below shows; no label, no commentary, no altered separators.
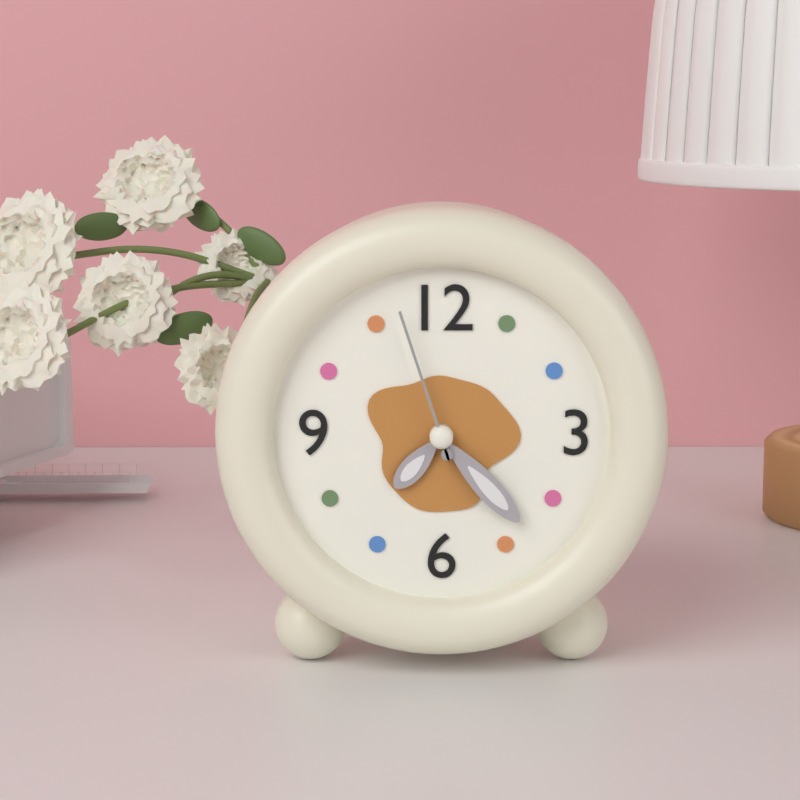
{"hour": 7, "minute": 23, "second": 57}
